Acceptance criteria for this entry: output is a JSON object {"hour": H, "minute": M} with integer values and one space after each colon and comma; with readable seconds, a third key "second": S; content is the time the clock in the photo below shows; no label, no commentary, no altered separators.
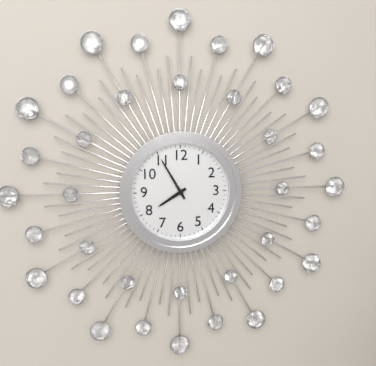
{"hour": 7, "minute": 55}
